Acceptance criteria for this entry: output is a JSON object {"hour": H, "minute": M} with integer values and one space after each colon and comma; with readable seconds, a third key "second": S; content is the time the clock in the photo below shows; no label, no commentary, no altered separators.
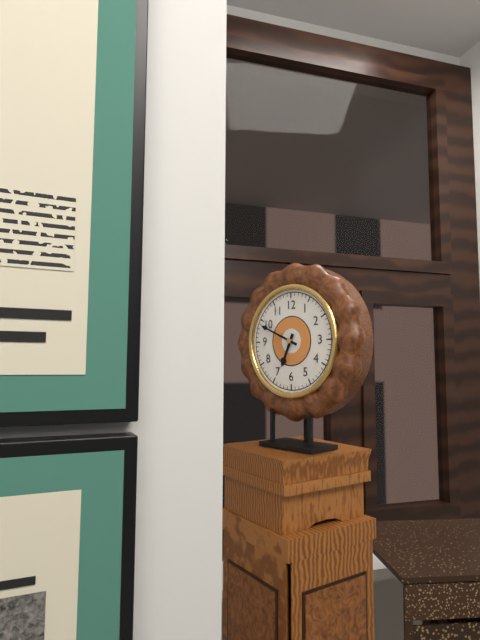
{"hour": 6, "minute": 49}
